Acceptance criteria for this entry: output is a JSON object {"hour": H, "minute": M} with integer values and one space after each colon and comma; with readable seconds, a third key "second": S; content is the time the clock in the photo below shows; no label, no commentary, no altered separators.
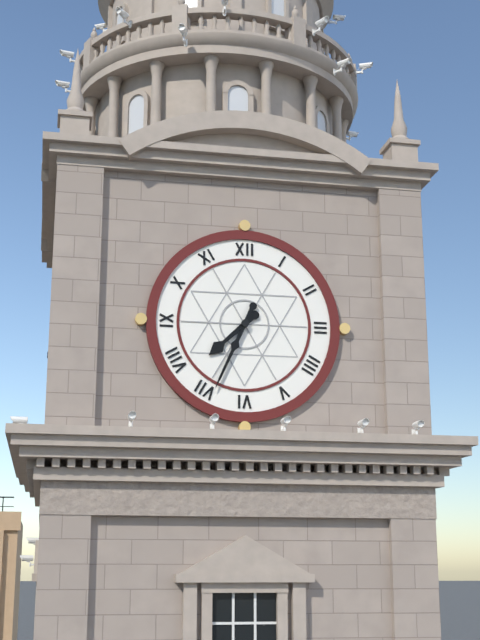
{"hour": 7, "minute": 34}
